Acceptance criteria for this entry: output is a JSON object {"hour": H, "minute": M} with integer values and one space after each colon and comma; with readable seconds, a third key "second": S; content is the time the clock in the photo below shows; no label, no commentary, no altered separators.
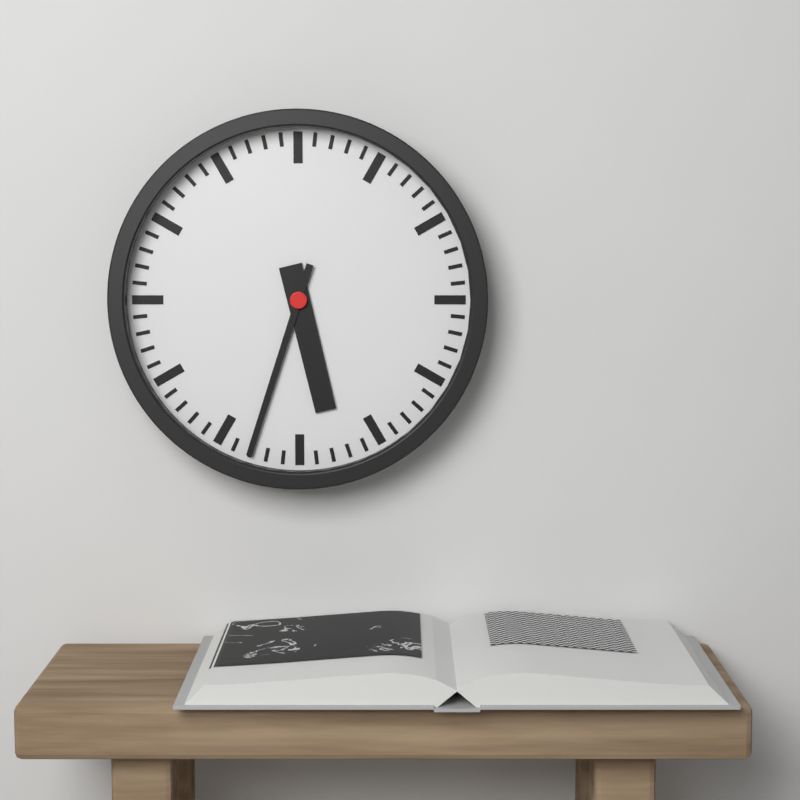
{"hour": 5, "minute": 33}
